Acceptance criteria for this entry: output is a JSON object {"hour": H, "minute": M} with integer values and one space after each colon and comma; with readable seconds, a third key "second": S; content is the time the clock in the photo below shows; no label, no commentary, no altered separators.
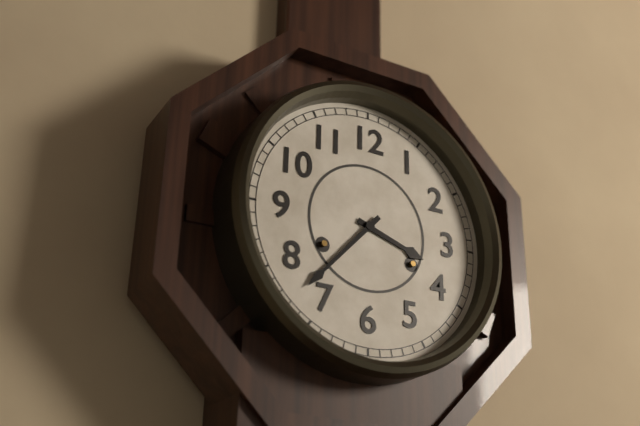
{"hour": 3, "minute": 37}
